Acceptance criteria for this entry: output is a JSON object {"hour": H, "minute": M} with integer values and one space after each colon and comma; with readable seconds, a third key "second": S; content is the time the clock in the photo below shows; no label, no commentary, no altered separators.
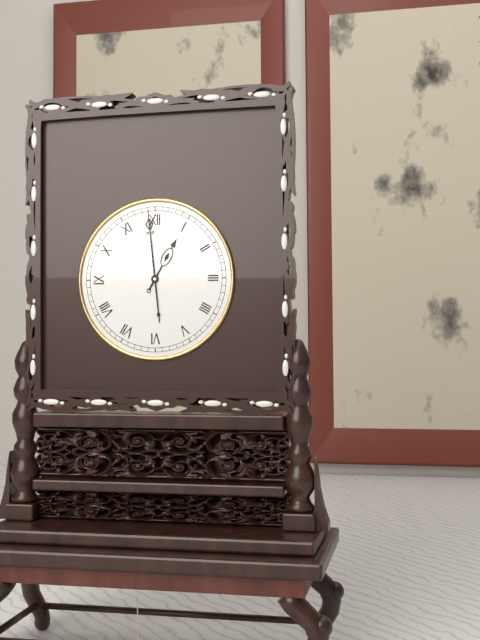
{"hour": 12, "minute": 59}
